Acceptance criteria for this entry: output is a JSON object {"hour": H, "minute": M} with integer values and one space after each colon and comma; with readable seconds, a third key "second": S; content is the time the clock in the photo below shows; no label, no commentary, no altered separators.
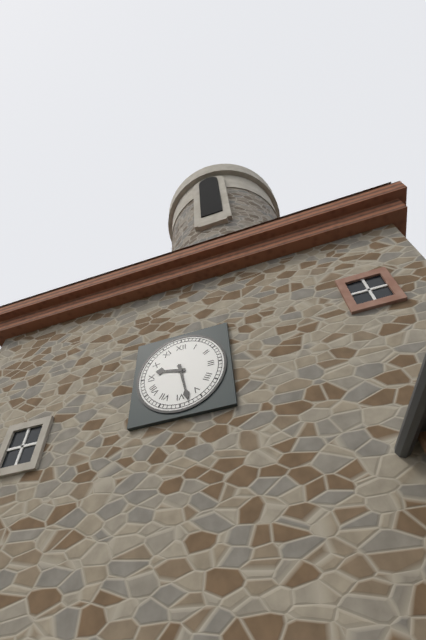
{"hour": 9, "minute": 28}
